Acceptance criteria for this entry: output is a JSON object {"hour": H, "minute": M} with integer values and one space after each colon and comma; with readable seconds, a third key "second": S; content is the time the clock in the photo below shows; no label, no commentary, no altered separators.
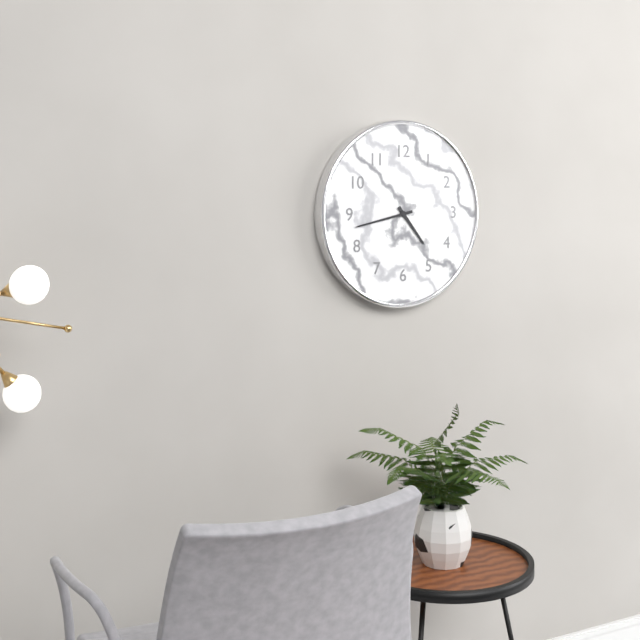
{"hour": 4, "minute": 43}
